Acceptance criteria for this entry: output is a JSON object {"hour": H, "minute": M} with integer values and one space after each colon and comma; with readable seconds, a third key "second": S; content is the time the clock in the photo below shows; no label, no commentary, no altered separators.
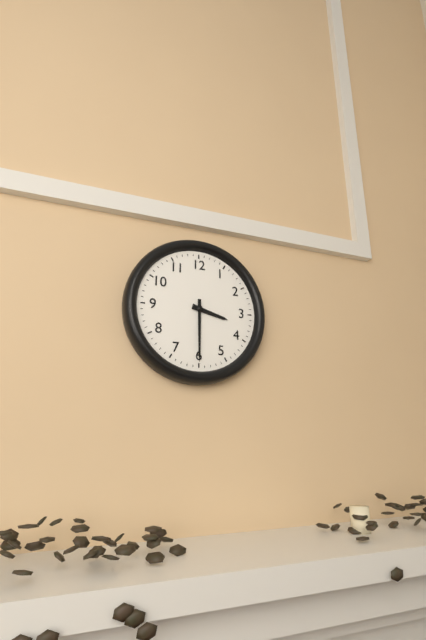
{"hour": 3, "minute": 30}
